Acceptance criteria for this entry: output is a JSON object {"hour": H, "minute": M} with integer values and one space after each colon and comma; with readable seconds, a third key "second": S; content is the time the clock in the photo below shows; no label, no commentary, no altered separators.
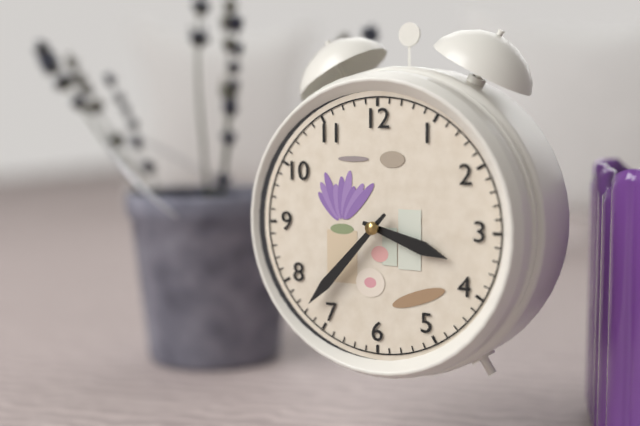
{"hour": 3, "minute": 37}
